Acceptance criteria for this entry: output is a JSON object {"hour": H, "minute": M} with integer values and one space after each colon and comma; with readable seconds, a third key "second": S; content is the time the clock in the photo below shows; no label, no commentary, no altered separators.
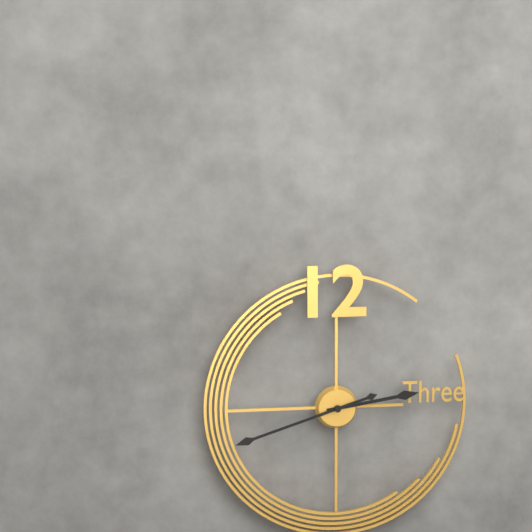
{"hour": 2, "minute": 42}
